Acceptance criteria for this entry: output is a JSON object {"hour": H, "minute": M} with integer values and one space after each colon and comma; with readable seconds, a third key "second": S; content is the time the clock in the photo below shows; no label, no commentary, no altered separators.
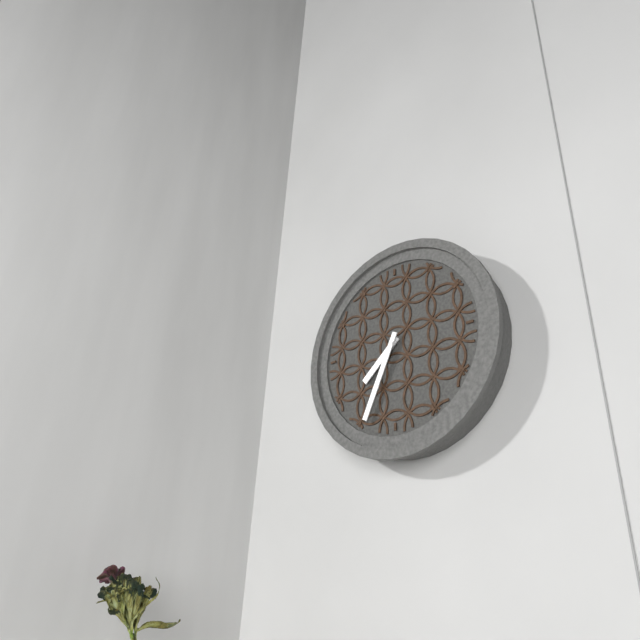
{"hour": 7, "minute": 34}
